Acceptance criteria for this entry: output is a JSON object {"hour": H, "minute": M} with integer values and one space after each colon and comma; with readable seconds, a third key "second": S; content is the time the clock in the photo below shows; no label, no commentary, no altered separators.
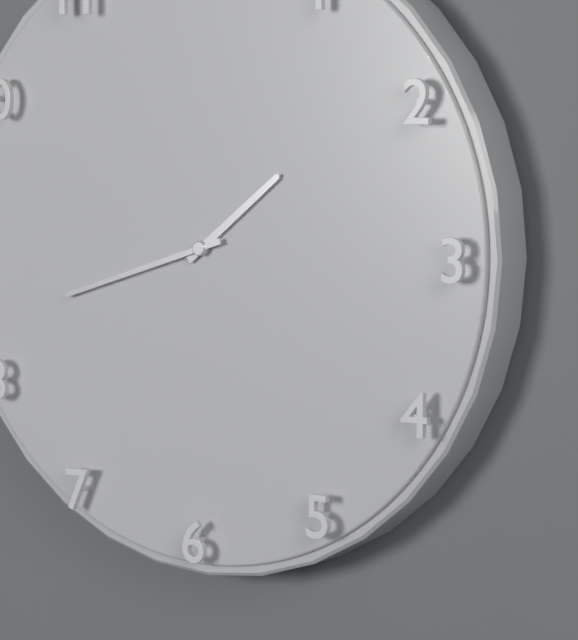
{"hour": 1, "minute": 42}
